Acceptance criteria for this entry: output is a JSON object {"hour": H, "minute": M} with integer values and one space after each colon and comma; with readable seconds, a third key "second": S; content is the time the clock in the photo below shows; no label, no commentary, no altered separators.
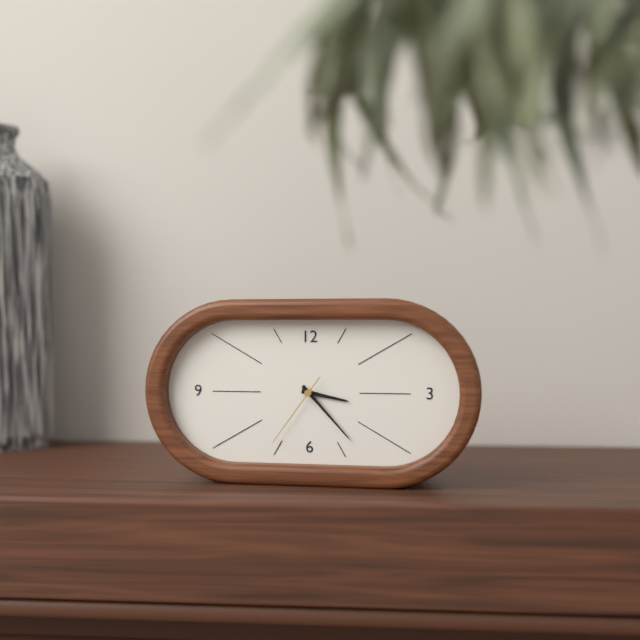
{"hour": 3, "minute": 23, "second": 36}
